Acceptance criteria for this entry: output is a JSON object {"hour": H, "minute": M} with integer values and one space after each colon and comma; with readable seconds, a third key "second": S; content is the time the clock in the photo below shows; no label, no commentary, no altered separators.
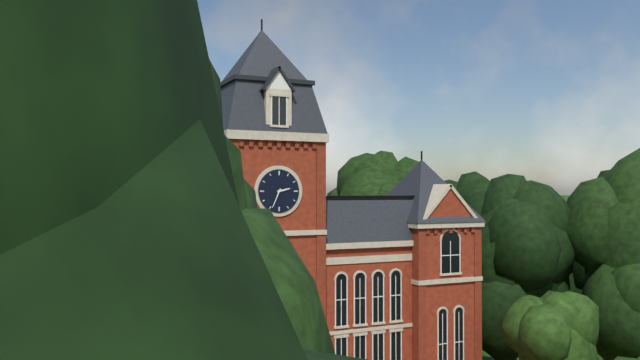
{"hour": 2, "minute": 34}
